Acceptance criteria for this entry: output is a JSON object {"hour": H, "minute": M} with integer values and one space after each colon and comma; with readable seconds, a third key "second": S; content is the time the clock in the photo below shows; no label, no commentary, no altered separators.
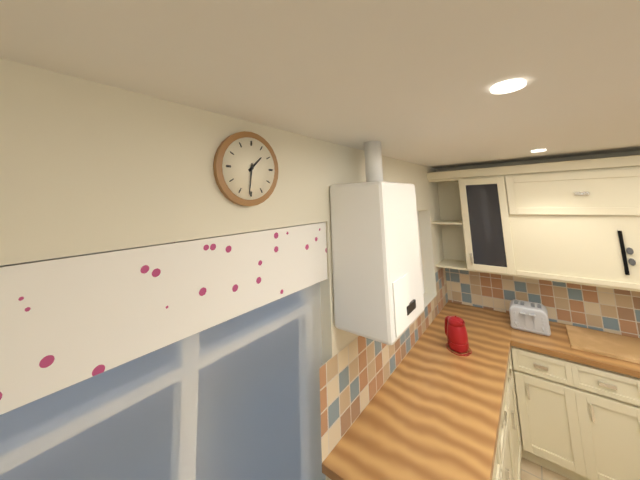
{"hour": 1, "minute": 31}
